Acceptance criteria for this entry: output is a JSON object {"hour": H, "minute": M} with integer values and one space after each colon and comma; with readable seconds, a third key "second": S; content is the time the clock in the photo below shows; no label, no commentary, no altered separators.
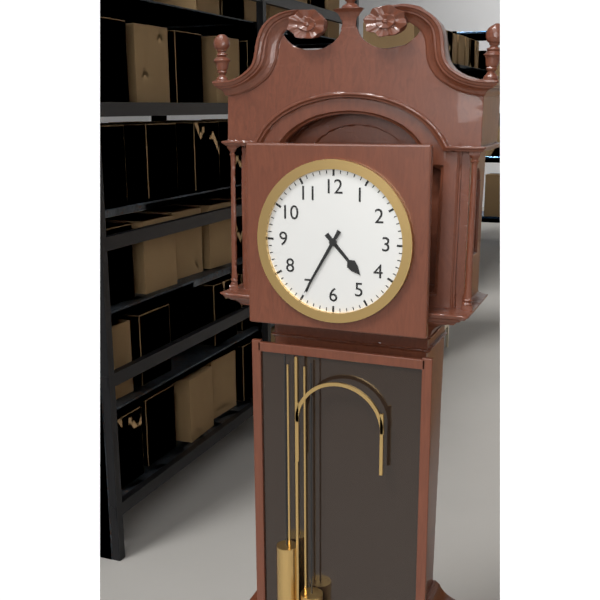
{"hour": 4, "minute": 35}
